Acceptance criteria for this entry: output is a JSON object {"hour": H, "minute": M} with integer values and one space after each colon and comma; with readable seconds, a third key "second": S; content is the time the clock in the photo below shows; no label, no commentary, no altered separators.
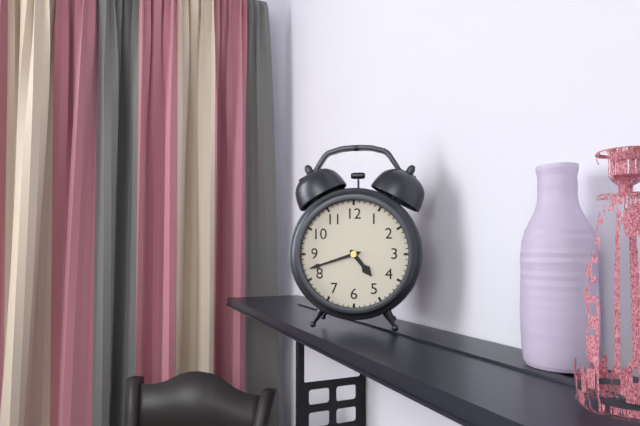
{"hour": 4, "minute": 42}
